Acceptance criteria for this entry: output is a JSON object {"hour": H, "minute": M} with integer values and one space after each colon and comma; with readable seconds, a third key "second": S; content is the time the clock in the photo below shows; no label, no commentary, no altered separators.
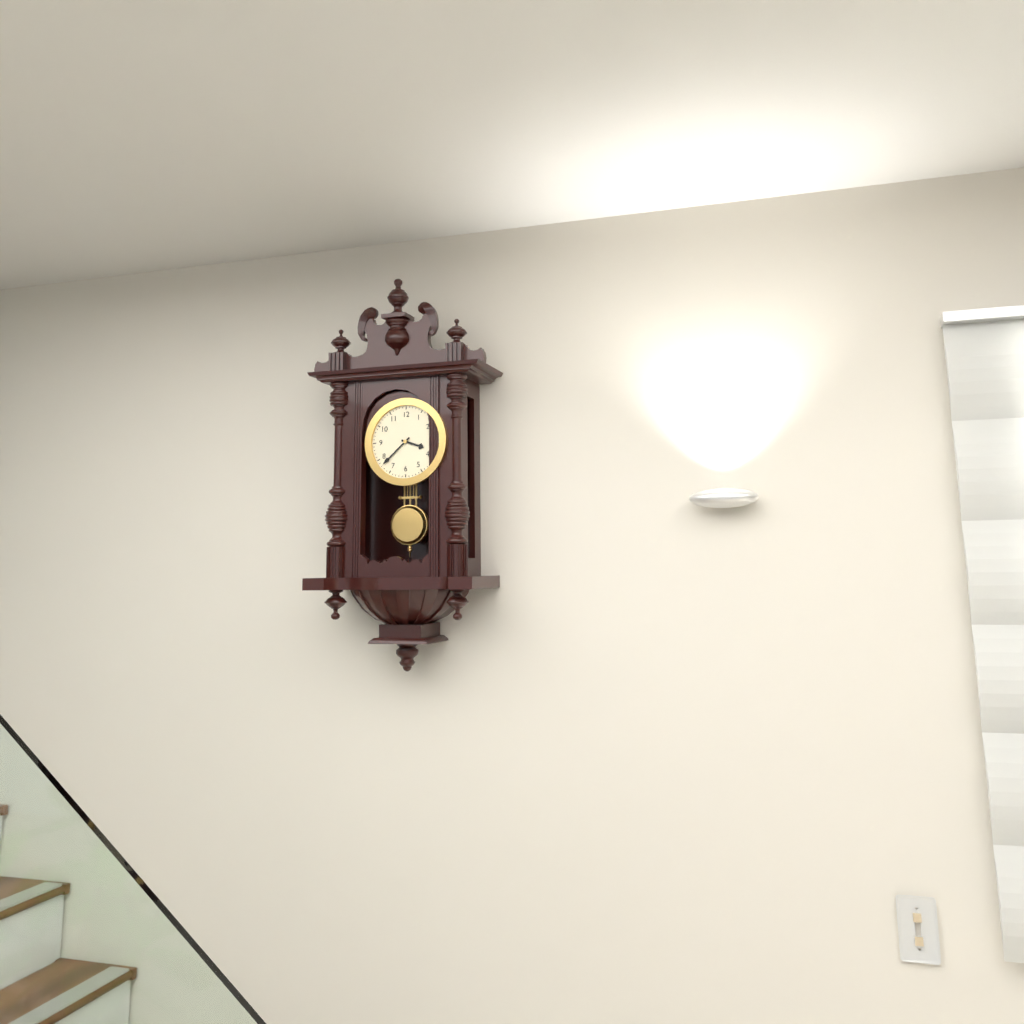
{"hour": 3, "minute": 38}
